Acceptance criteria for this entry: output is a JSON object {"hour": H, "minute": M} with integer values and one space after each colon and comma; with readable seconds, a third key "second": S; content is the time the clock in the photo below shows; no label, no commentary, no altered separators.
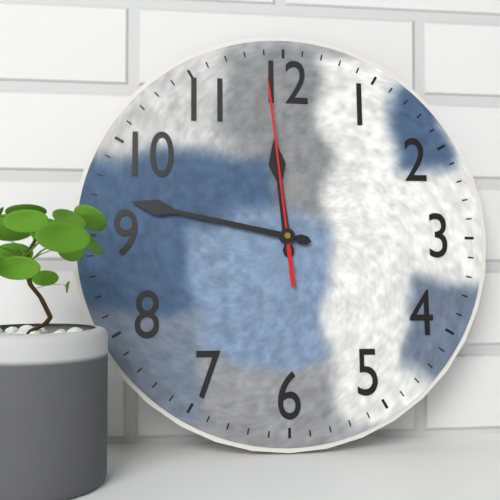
{"hour": 11, "minute": 47, "second": 59}
